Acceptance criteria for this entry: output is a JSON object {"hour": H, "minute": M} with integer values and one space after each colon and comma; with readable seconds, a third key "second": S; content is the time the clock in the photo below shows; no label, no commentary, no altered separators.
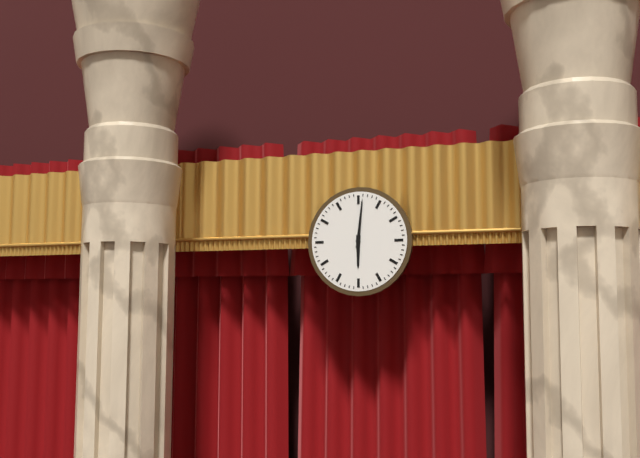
{"hour": 6, "minute": 1}
